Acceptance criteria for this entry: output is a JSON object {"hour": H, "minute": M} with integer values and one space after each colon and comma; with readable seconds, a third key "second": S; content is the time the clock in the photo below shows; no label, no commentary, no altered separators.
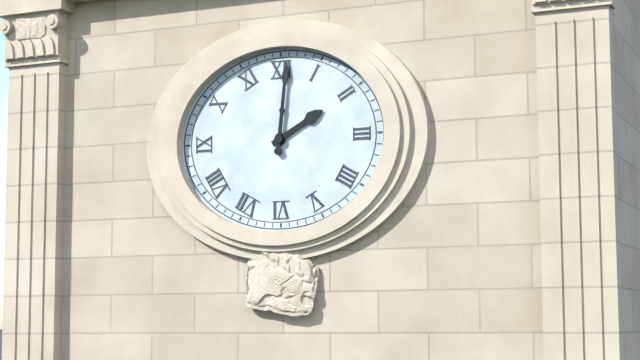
{"hour": 2, "minute": 1}
